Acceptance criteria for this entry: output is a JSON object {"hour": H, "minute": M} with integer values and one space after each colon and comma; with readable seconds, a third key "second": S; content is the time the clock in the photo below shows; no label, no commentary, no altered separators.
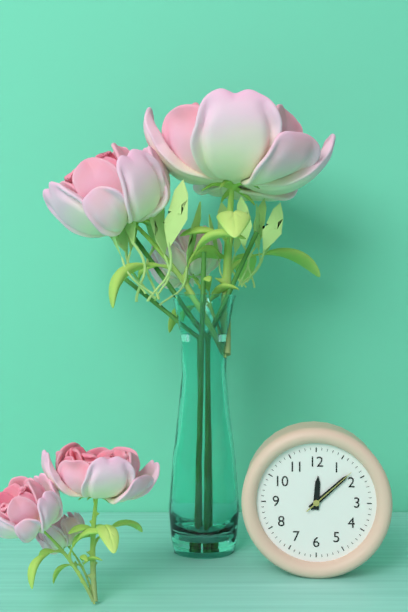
{"hour": 12, "minute": 8, "second": 8}
